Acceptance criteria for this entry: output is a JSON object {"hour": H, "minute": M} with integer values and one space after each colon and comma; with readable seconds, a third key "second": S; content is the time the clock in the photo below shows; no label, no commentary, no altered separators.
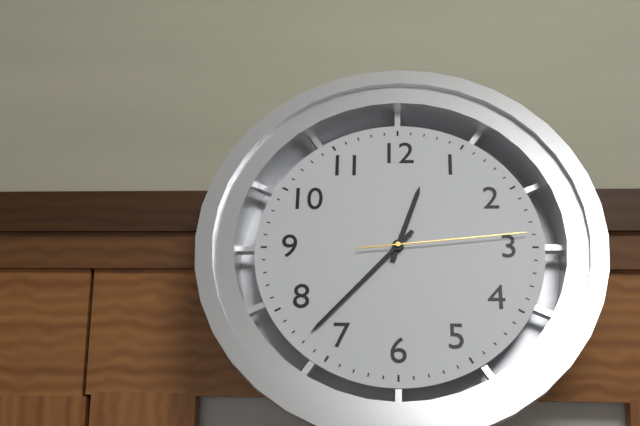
{"hour": 12, "minute": 37, "second": 14}
